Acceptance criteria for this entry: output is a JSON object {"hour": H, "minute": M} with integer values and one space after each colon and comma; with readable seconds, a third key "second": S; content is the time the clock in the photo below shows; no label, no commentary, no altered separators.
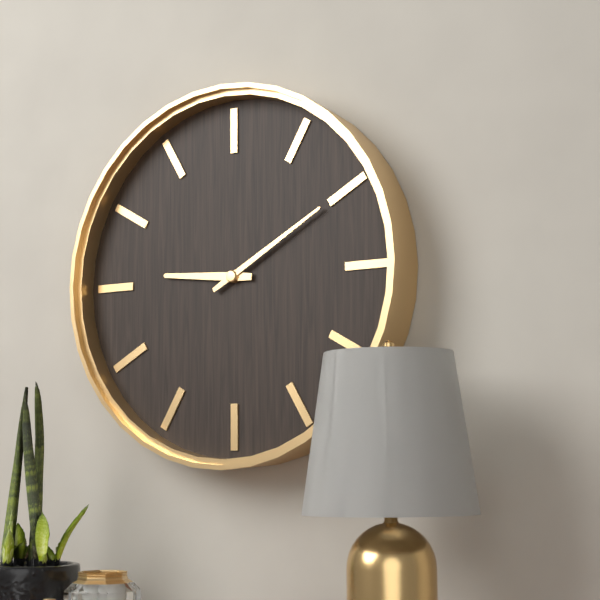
{"hour": 9, "minute": 10}
